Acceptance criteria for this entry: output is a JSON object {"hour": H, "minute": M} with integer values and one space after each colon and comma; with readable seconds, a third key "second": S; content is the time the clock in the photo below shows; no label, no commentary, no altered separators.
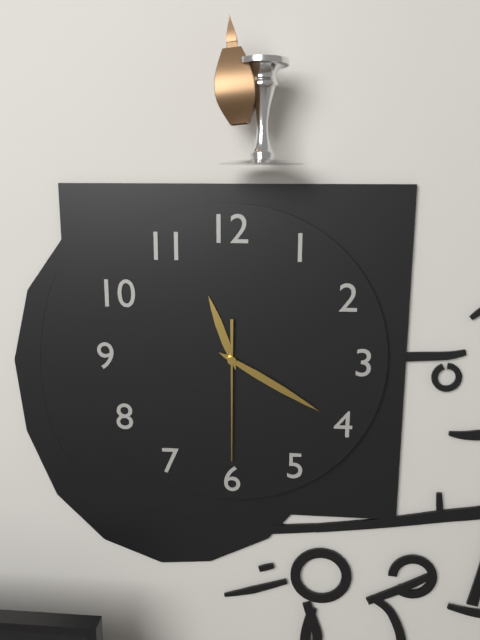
{"hour": 11, "minute": 20, "second": 30}
